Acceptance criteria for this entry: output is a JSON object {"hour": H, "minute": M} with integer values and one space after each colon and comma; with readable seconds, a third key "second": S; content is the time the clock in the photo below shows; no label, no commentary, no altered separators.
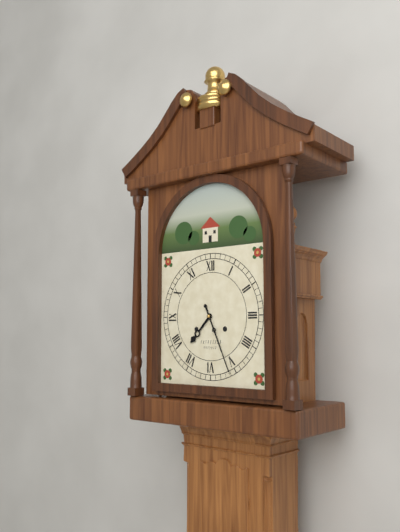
{"hour": 7, "minute": 26}
